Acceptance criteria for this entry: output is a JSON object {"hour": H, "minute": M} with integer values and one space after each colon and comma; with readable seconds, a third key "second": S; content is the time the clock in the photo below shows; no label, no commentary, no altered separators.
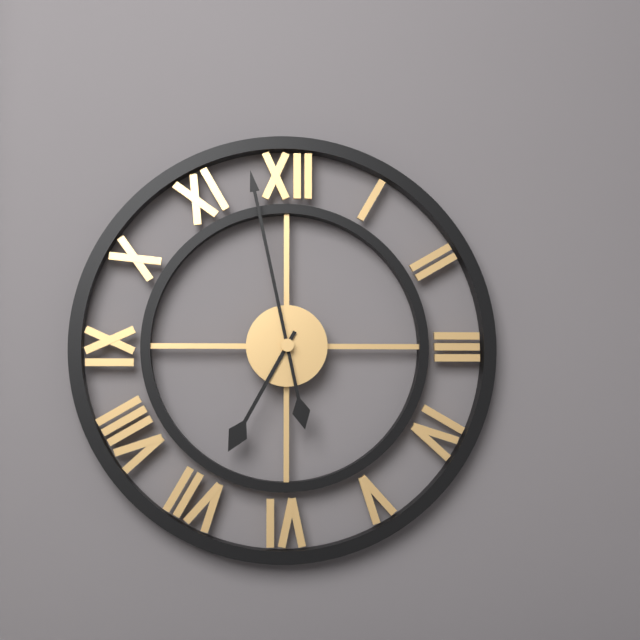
{"hour": 6, "minute": 58}
